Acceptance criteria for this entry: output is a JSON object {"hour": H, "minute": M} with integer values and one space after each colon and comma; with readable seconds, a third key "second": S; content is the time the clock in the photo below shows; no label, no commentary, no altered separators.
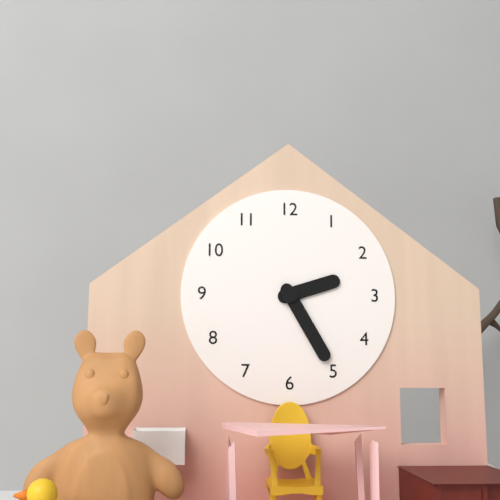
{"hour": 2, "minute": 25}
